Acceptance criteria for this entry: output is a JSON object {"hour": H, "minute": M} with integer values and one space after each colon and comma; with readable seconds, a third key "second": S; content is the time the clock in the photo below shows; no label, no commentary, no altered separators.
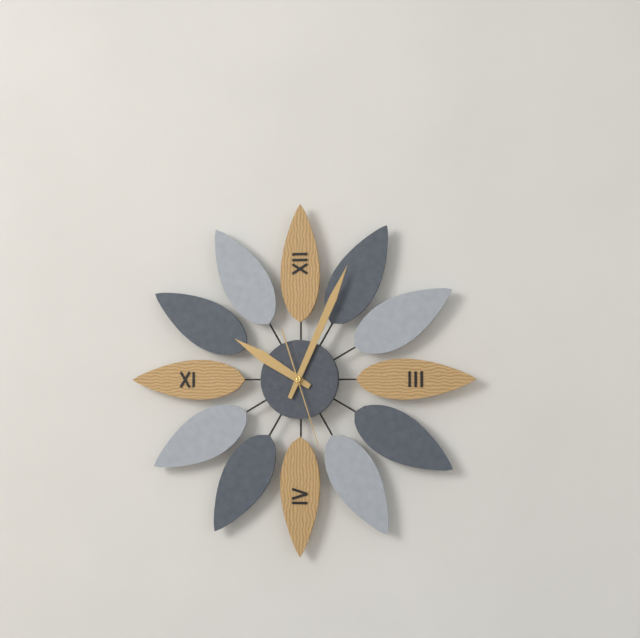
{"hour": 10, "minute": 4, "second": 27}
